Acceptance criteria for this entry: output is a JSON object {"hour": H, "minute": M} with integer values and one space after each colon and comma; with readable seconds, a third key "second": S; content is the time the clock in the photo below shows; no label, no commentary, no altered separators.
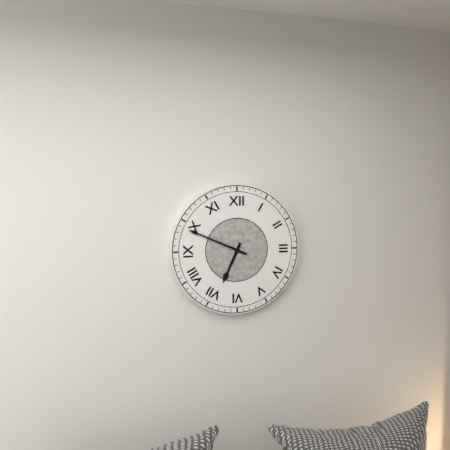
{"hour": 6, "minute": 49}
